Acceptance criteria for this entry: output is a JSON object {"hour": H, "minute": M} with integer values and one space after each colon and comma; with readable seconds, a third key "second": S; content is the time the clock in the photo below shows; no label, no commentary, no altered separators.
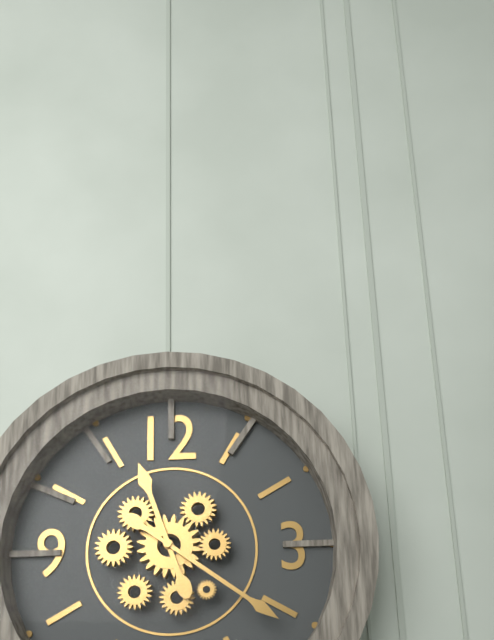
{"hour": 11, "minute": 21}
